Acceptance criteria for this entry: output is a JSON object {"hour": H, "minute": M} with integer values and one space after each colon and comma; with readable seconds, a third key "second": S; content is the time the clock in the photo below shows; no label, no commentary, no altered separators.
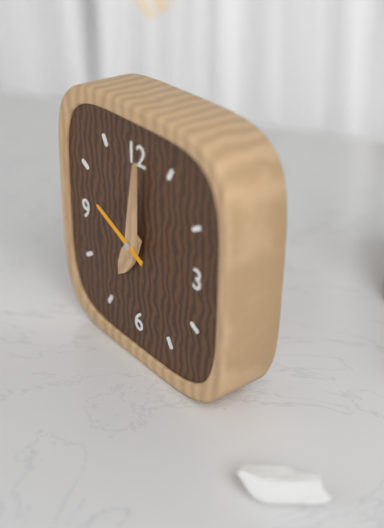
{"hour": 7, "minute": 1, "second": 49}
